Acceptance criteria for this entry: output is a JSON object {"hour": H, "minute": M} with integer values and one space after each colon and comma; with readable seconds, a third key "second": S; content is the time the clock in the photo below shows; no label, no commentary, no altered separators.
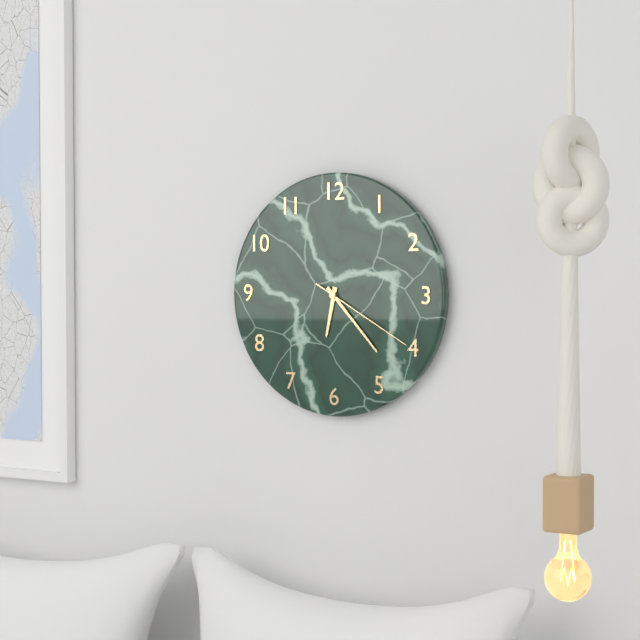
{"hour": 6, "minute": 23, "second": 20}
